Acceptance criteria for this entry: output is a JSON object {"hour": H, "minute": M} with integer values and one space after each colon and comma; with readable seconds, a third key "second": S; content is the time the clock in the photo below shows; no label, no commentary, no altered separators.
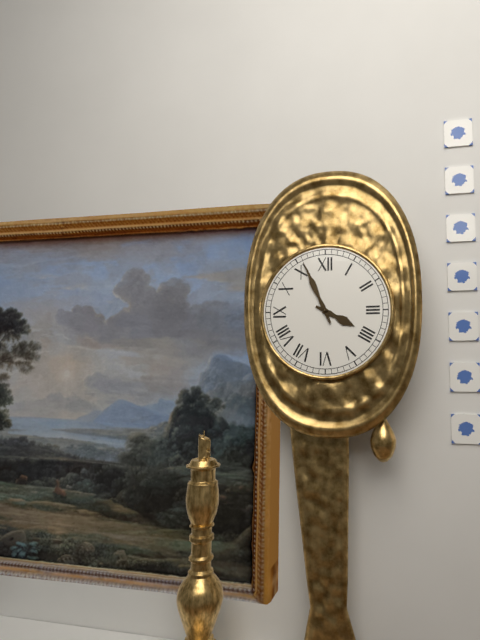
{"hour": 3, "minute": 56}
